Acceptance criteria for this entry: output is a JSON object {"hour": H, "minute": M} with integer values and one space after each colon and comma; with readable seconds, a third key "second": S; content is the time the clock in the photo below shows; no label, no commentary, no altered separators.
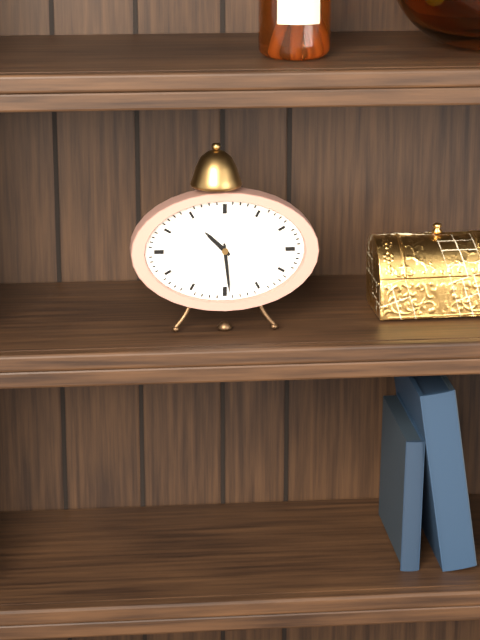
{"hour": 10, "minute": 29}
